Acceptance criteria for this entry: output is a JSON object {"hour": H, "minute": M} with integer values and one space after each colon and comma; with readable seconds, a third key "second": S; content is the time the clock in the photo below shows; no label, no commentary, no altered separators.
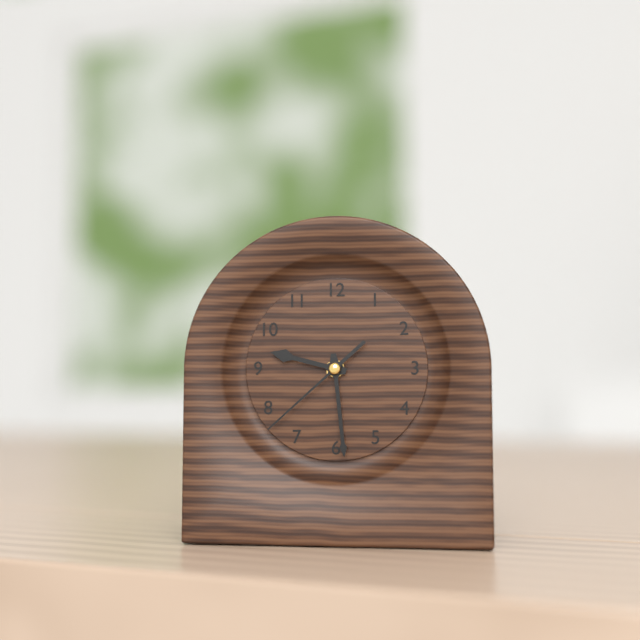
{"hour": 9, "minute": 29, "second": 38}
